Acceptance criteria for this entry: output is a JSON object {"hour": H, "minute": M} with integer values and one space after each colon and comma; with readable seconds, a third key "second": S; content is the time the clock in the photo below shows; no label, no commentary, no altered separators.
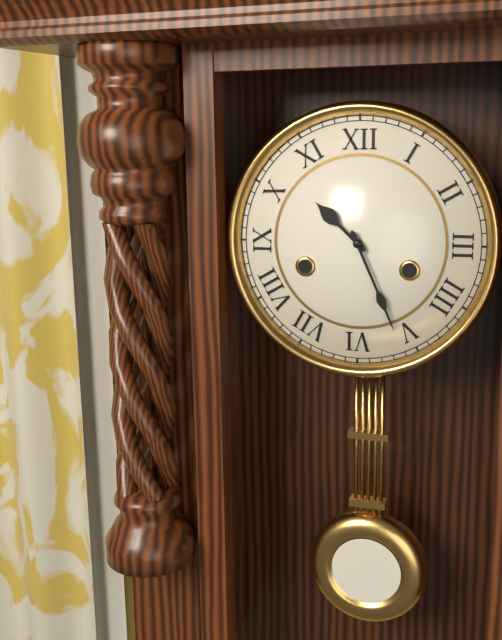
{"hour": 10, "minute": 26}
